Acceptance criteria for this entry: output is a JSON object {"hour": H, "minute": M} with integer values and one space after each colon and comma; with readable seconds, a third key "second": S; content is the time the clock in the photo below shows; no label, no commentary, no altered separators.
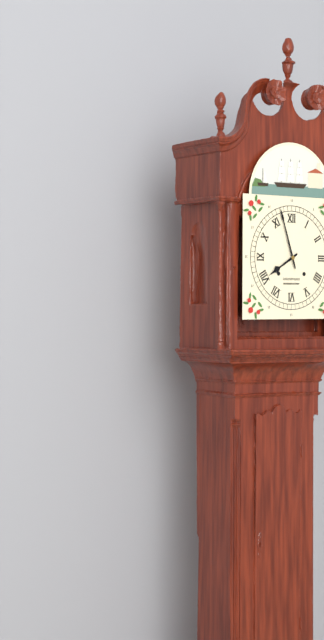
{"hour": 7, "minute": 57}
